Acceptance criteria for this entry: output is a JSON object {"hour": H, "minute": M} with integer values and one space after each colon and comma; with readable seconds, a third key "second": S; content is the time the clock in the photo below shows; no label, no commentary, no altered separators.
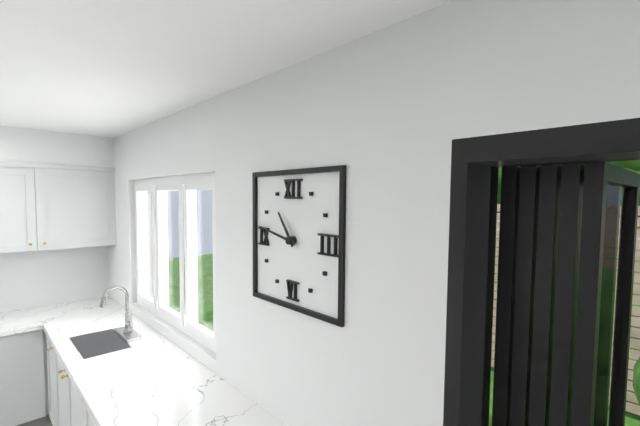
{"hour": 10, "minute": 47}
